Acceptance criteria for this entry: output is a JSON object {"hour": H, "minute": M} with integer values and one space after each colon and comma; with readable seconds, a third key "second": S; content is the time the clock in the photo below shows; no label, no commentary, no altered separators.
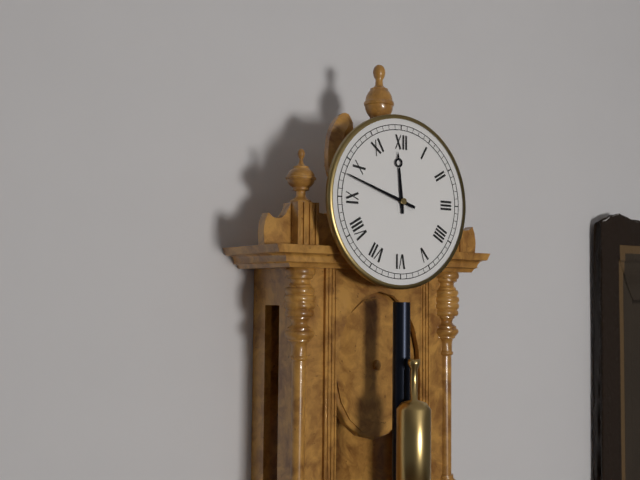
{"hour": 11, "minute": 48}
